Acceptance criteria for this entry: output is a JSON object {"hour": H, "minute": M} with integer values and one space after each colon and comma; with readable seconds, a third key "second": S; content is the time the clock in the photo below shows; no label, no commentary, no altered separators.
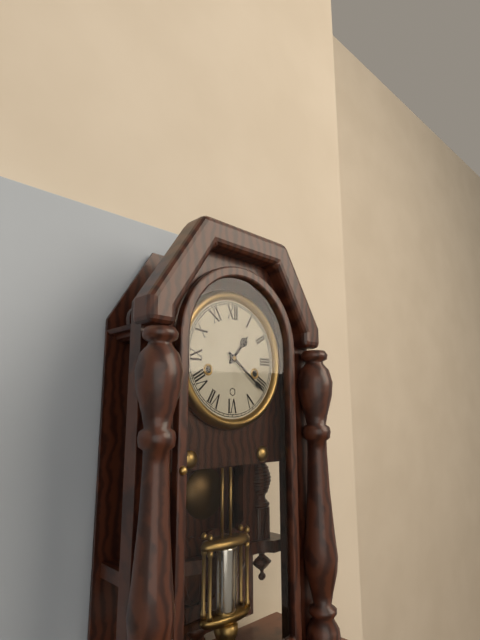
{"hour": 1, "minute": 21}
